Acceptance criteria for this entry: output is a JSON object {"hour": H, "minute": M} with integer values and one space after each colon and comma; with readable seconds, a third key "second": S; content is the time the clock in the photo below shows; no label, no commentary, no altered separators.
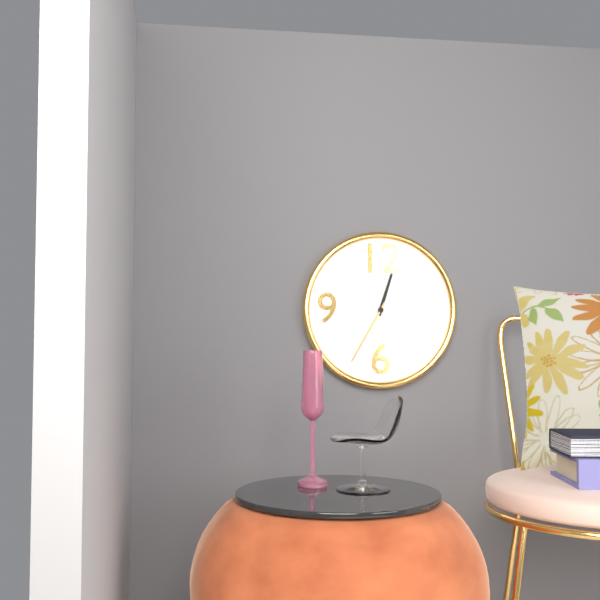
{"hour": 12, "minute": 35}
